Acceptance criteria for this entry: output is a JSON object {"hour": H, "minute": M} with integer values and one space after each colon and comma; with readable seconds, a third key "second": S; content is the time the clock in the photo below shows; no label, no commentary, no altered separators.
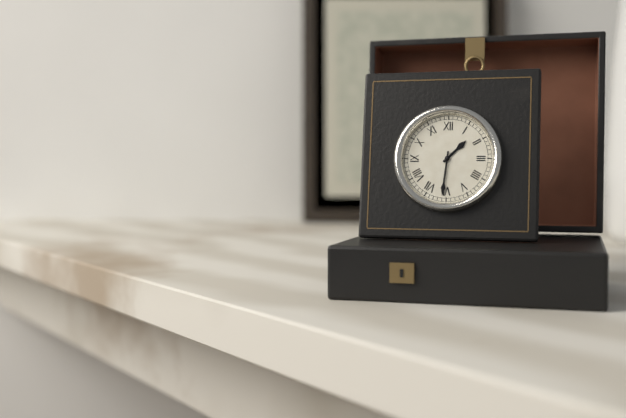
{"hour": 1, "minute": 31}
